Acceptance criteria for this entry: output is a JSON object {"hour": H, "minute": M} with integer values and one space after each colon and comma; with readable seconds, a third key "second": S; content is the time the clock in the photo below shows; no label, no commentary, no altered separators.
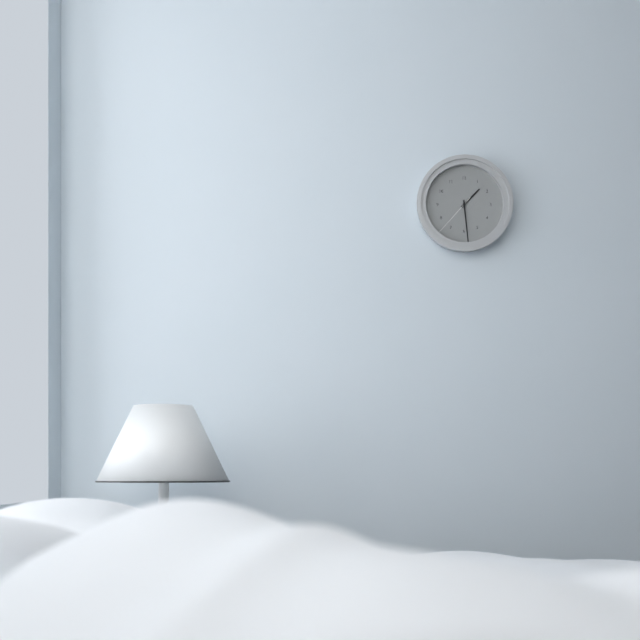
{"hour": 1, "minute": 29}
